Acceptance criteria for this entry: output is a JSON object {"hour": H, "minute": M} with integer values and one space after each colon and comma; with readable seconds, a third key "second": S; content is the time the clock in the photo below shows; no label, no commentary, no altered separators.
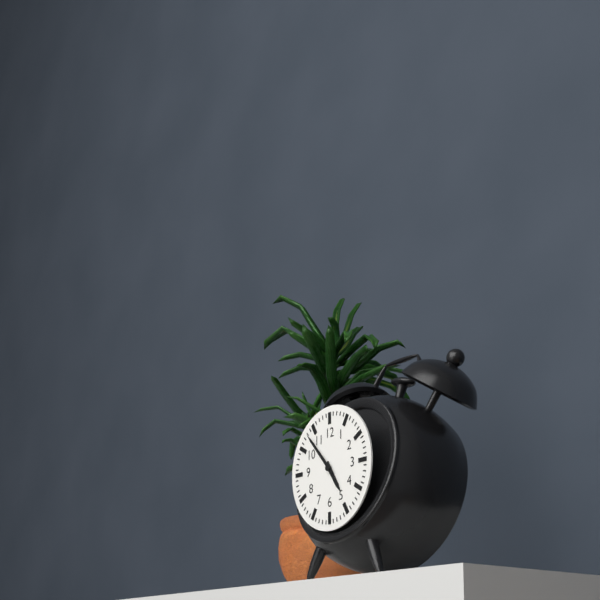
{"hour": 4, "minute": 53}
